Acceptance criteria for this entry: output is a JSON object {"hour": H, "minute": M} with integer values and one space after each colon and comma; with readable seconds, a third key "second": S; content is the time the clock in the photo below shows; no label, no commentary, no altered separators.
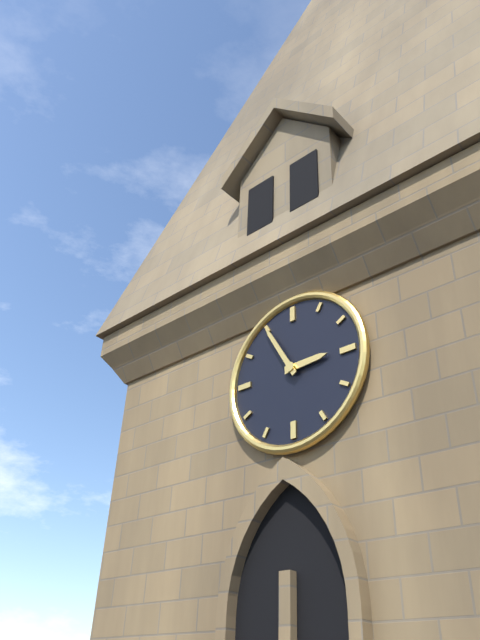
{"hour": 2, "minute": 55}
